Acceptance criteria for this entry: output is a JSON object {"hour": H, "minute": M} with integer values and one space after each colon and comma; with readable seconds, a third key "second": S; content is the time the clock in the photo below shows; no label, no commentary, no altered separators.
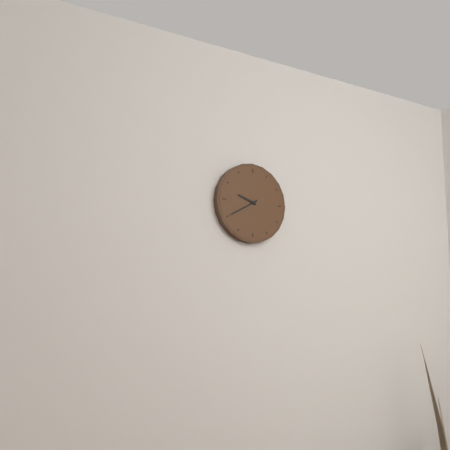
{"hour": 9, "minute": 40}
